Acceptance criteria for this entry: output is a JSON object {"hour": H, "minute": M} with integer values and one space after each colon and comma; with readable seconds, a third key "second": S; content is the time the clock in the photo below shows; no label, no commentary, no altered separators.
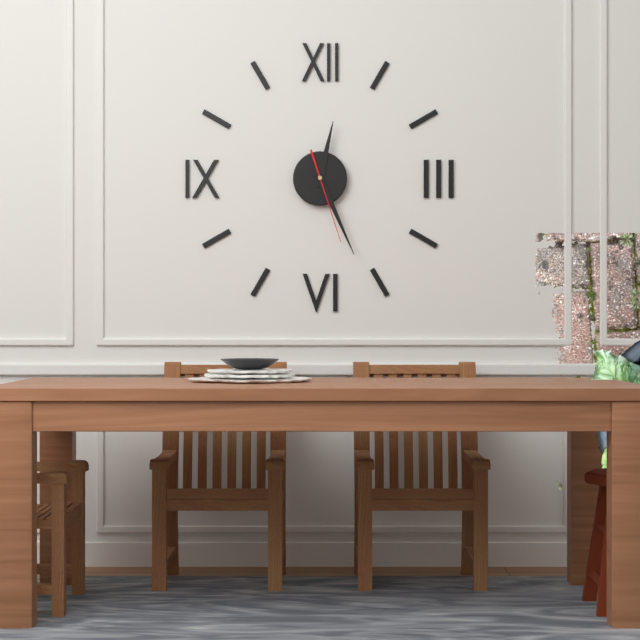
{"hour": 12, "minute": 26, "second": 27}
